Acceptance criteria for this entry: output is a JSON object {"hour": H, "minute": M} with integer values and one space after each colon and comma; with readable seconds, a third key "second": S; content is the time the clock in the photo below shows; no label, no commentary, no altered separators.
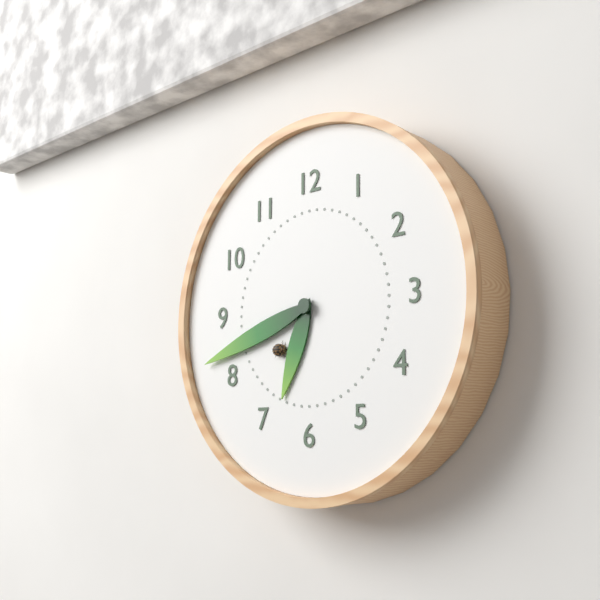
{"hour": 6, "minute": 42}
